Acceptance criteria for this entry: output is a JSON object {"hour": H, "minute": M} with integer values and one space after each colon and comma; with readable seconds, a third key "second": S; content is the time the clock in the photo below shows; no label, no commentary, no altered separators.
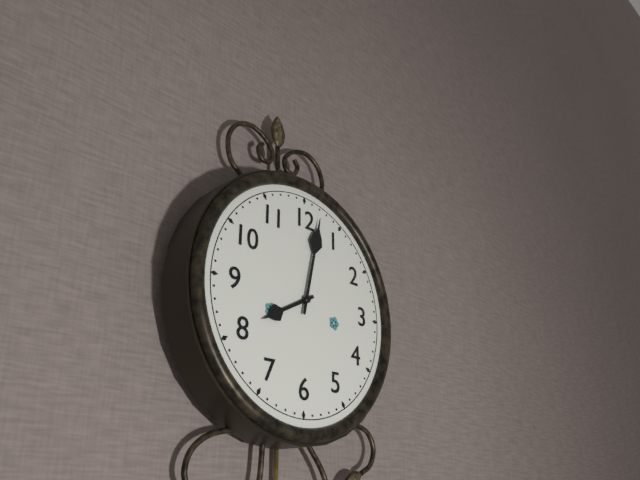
{"hour": 8, "minute": 2}
